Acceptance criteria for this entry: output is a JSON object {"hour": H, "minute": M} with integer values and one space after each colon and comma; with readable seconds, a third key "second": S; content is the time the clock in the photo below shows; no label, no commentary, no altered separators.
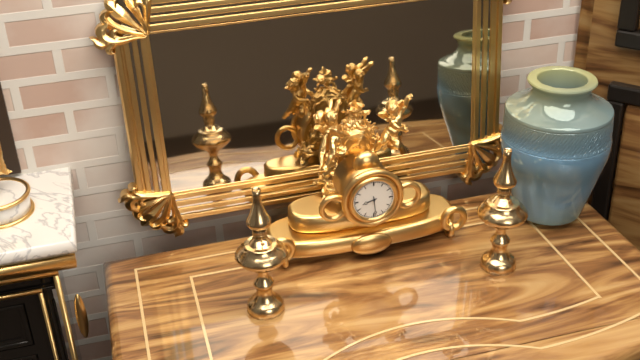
{"hour": 8, "minute": 29}
